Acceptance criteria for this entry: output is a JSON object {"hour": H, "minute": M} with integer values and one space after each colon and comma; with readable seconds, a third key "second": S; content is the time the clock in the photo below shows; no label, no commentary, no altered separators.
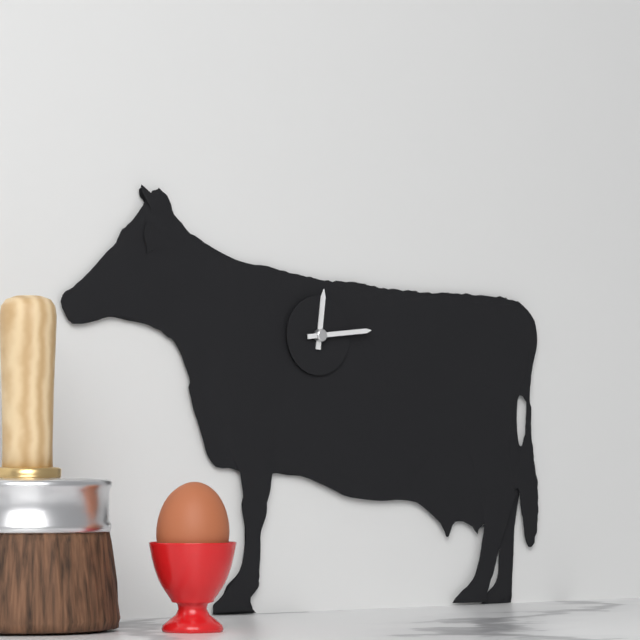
{"hour": 12, "minute": 14}
